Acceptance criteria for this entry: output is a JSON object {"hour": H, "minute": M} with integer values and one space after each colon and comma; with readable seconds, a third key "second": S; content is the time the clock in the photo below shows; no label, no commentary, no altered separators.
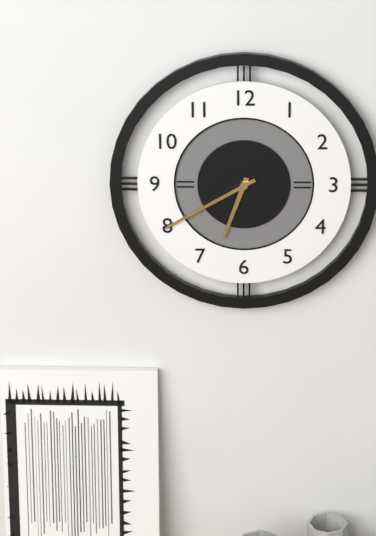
{"hour": 6, "minute": 40}
